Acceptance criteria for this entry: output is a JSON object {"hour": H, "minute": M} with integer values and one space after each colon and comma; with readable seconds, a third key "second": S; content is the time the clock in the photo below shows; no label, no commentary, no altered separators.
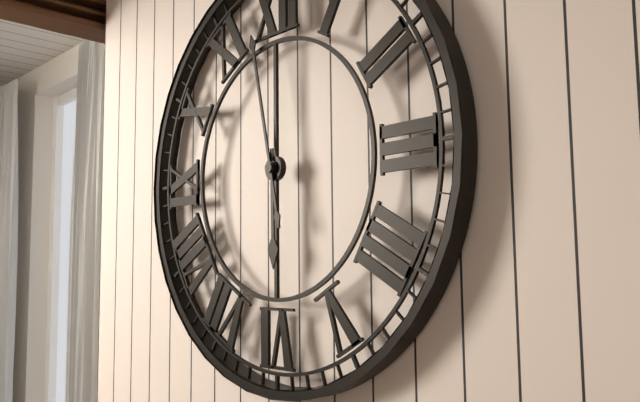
{"hour": 5, "minute": 58}
